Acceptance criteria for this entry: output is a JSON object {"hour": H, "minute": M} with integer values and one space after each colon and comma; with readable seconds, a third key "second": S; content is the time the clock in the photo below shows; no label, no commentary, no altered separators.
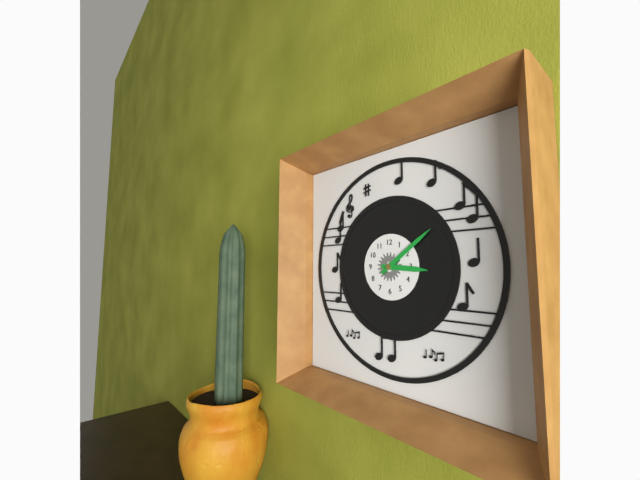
{"hour": 3, "minute": 9}
